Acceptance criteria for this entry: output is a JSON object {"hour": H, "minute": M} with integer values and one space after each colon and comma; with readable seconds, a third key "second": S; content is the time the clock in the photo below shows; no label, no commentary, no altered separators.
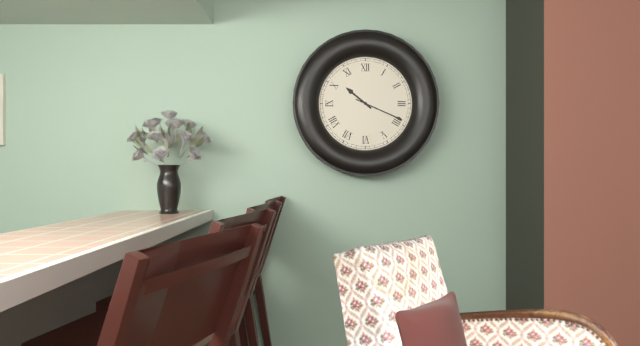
{"hour": 10, "minute": 19}
